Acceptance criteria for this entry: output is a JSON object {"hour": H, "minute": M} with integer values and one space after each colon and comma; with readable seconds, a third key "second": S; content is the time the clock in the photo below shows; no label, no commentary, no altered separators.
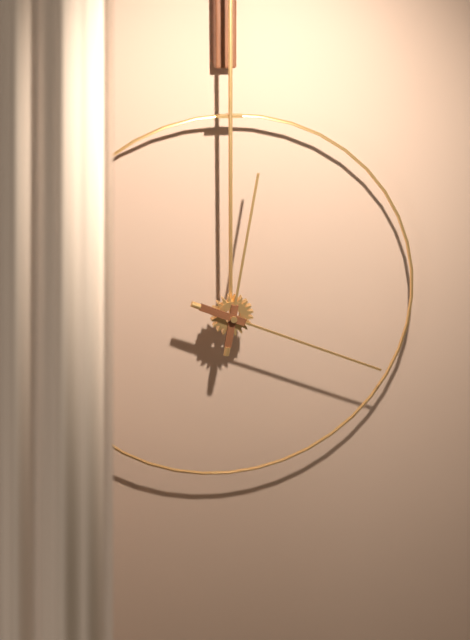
{"hour": 12, "minute": 19}
